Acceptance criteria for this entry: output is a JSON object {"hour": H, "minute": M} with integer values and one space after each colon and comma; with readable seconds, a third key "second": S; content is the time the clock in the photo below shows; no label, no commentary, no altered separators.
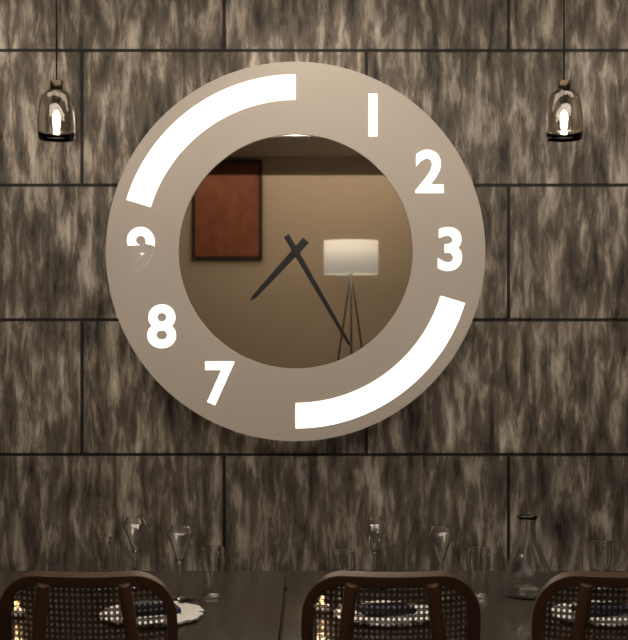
{"hour": 7, "minute": 25}
